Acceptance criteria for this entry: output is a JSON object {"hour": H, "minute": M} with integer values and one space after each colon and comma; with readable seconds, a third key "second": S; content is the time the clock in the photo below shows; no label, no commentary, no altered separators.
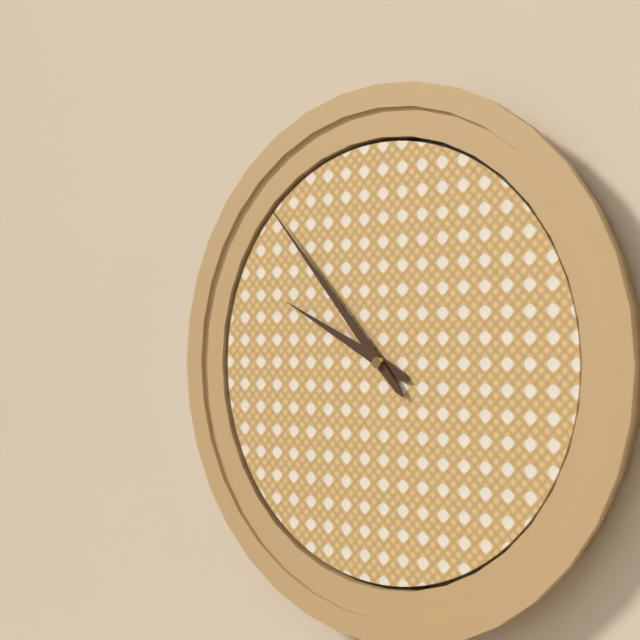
{"hour": 9, "minute": 53}
